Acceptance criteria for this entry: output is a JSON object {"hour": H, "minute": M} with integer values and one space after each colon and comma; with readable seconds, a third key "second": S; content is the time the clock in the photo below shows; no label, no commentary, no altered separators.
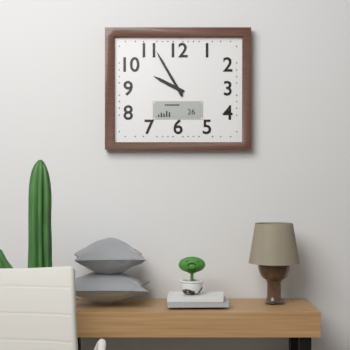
{"hour": 9, "minute": 55}
